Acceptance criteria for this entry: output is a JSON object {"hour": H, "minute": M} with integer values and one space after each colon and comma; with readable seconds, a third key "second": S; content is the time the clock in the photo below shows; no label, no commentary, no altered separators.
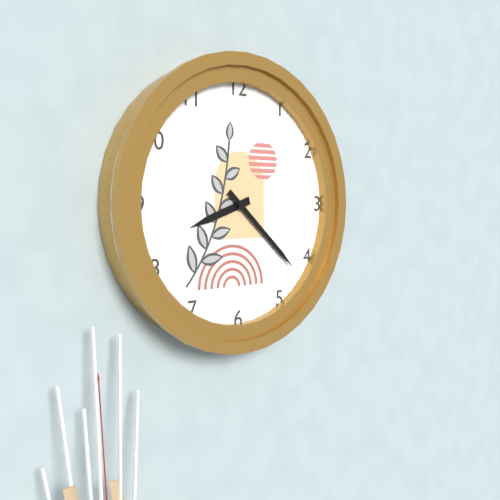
{"hour": 8, "minute": 22}
